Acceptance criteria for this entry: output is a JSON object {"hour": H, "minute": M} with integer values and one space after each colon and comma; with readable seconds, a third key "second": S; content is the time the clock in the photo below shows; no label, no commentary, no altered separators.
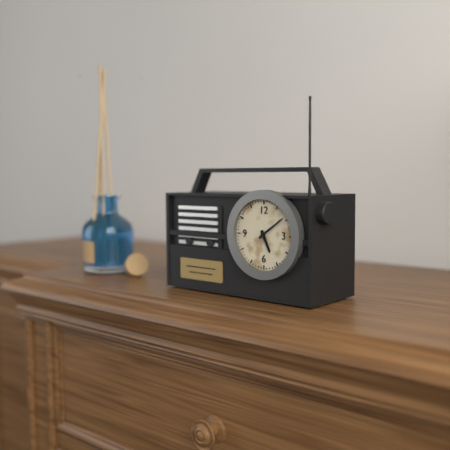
{"hour": 5, "minute": 9}
